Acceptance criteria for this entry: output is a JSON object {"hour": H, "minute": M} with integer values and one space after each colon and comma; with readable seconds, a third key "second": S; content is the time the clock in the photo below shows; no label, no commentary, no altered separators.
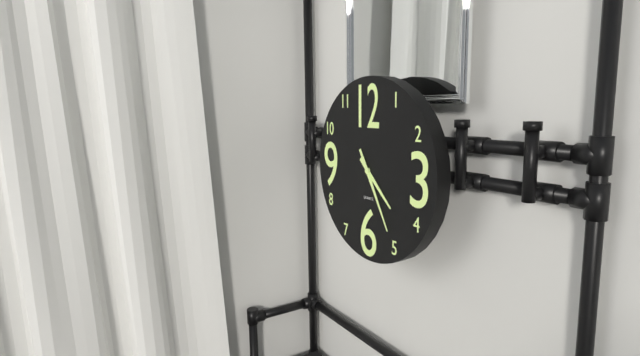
{"hour": 4, "minute": 25}
